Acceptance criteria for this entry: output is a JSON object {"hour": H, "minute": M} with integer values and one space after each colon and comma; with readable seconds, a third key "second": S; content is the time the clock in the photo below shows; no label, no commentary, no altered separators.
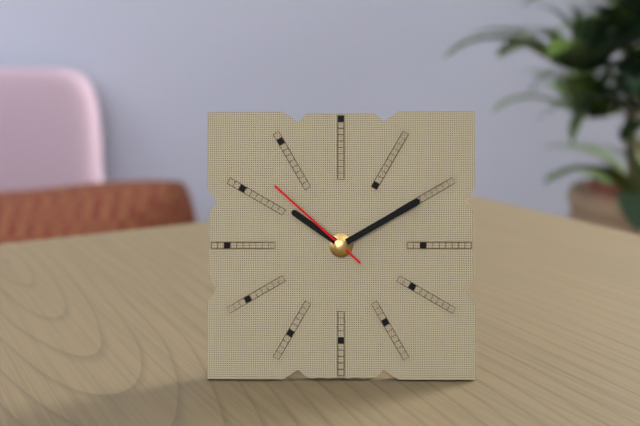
{"hour": 10, "minute": 10, "second": 52}
